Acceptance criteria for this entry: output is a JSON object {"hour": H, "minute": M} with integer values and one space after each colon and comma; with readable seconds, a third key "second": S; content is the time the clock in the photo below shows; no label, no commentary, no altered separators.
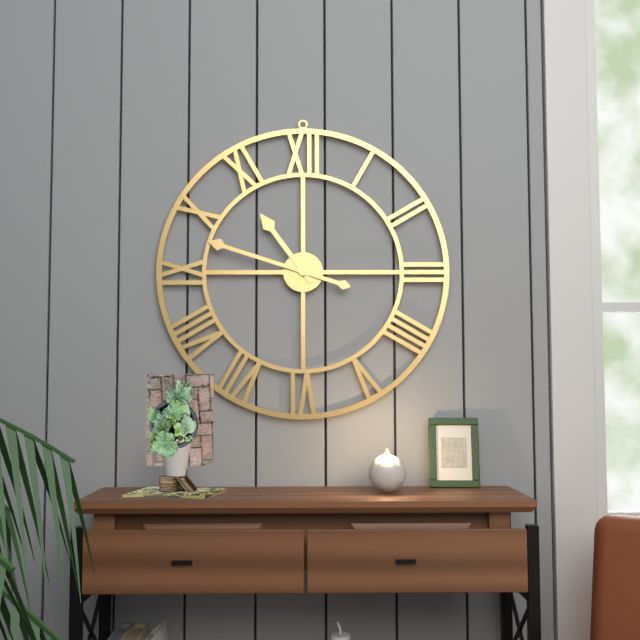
{"hour": 10, "minute": 48}
